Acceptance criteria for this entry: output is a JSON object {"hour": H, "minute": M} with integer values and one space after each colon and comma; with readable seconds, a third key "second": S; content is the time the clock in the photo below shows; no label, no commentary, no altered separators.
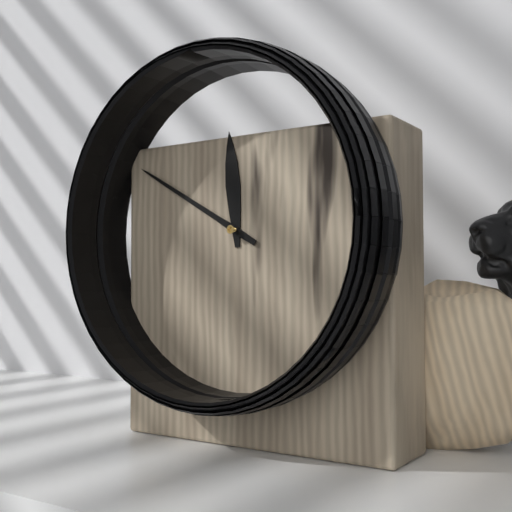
{"hour": 11, "minute": 50}
